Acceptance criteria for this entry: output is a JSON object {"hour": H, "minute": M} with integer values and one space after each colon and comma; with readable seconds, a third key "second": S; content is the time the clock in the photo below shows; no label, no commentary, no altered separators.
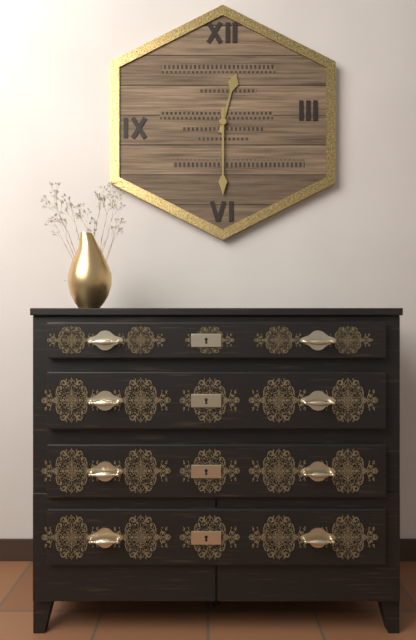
{"hour": 12, "minute": 30}
